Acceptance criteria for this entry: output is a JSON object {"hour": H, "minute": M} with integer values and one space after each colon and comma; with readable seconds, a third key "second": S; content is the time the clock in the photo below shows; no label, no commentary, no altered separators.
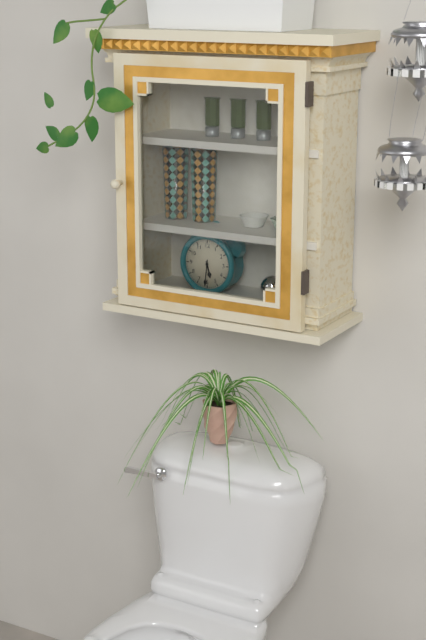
{"hour": 5, "minute": 31}
